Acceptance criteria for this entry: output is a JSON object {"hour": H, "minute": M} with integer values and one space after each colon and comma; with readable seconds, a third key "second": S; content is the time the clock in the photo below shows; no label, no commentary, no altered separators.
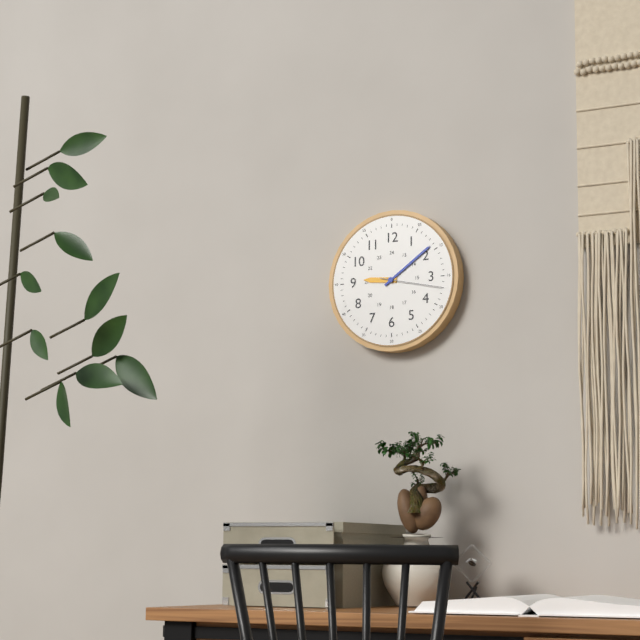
{"hour": 9, "minute": 9, "second": 17}
